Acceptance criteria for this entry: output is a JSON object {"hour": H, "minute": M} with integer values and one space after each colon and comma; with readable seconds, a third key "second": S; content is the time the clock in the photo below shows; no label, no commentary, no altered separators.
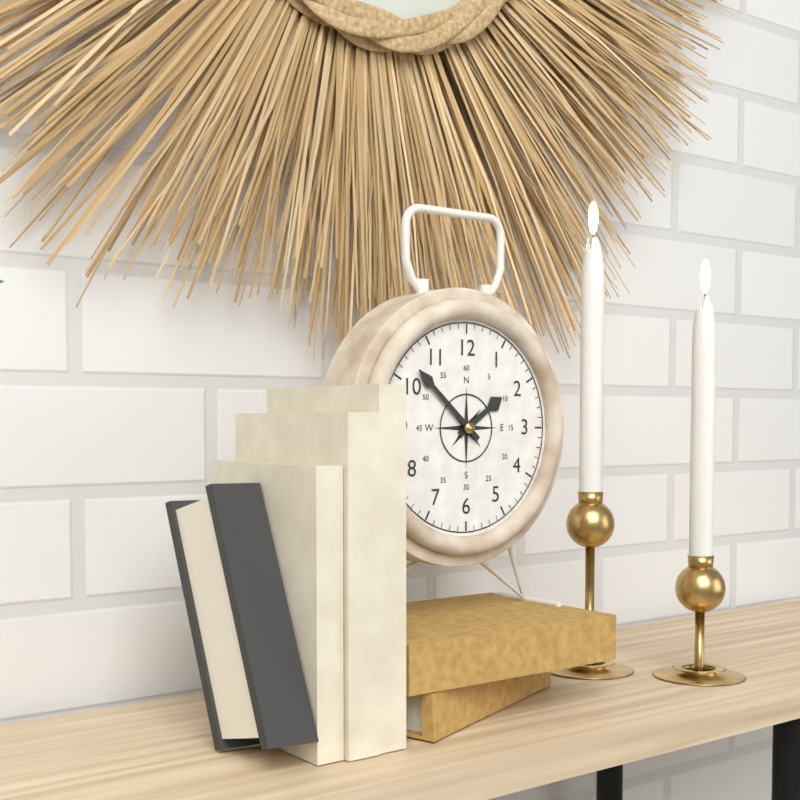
{"hour": 1, "minute": 52}
